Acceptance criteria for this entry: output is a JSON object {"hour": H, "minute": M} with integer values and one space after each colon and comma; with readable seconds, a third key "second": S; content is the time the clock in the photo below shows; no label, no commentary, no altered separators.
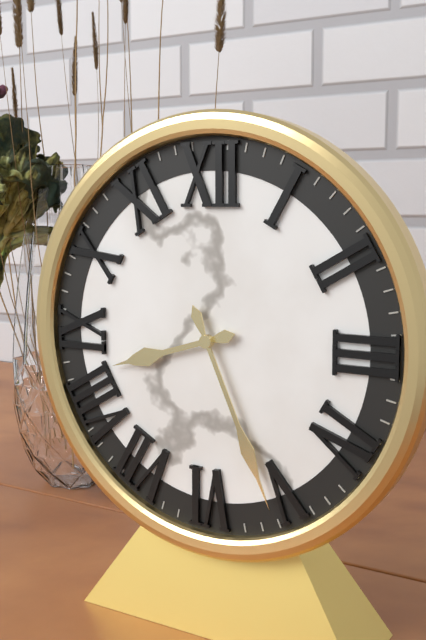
{"hour": 8, "minute": 26}
